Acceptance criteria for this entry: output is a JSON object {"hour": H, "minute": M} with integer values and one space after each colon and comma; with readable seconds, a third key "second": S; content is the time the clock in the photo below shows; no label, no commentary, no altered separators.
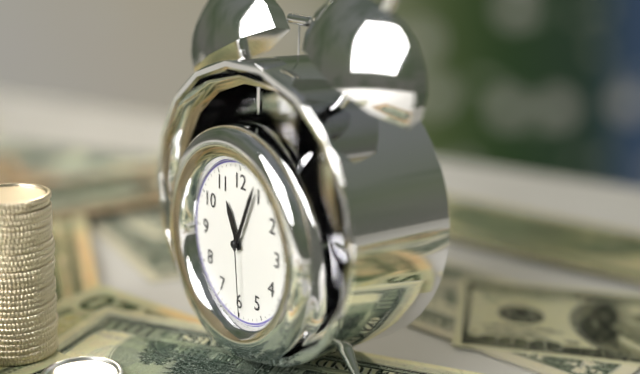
{"hour": 11, "minute": 4, "second": 29}
